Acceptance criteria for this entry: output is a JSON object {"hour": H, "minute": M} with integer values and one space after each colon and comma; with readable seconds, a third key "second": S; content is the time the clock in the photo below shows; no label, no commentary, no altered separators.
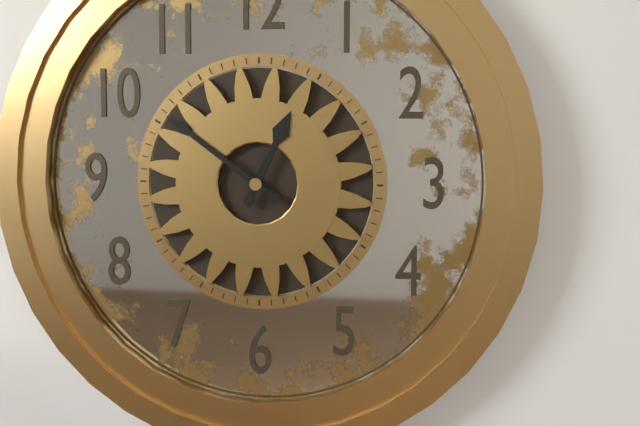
{"hour": 12, "minute": 51}
